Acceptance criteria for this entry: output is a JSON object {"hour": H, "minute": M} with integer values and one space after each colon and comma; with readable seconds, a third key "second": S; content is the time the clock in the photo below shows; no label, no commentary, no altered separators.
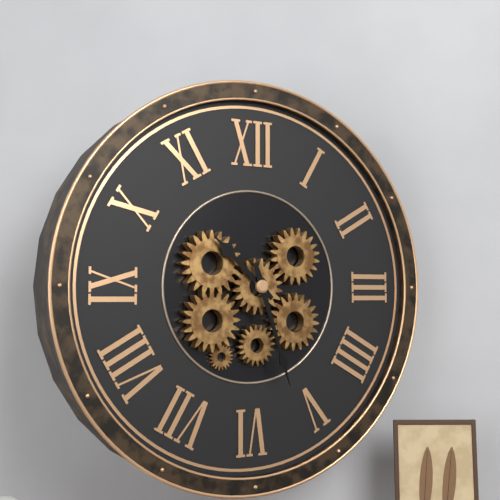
{"hour": 10, "minute": 27}
